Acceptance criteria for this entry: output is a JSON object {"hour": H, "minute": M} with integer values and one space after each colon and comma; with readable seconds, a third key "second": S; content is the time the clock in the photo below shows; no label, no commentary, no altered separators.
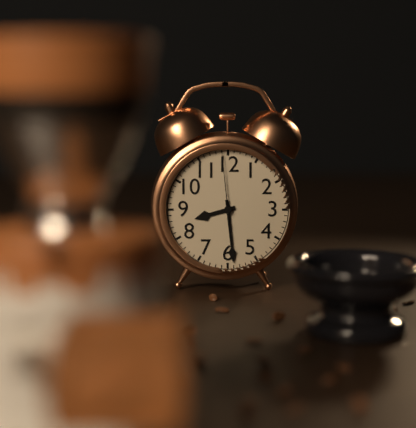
{"hour": 8, "minute": 29, "second": 59}
